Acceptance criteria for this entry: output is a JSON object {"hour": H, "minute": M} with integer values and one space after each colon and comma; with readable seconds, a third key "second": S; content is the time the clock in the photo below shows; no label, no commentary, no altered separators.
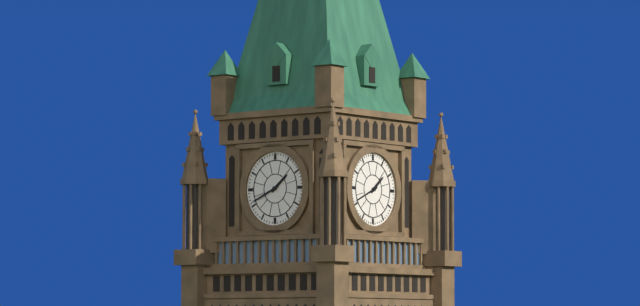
{"hour": 1, "minute": 41}
